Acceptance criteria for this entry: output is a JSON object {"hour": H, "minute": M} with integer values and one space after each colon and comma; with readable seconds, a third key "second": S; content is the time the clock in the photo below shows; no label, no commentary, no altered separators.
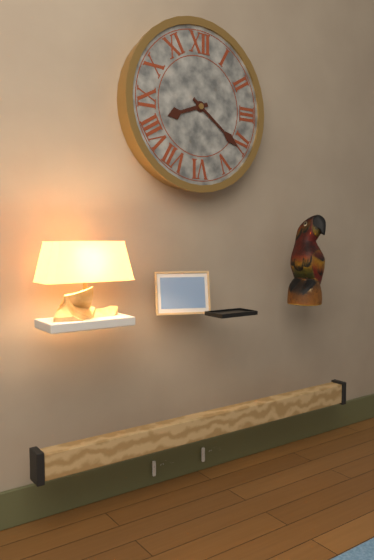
{"hour": 8, "minute": 21}
